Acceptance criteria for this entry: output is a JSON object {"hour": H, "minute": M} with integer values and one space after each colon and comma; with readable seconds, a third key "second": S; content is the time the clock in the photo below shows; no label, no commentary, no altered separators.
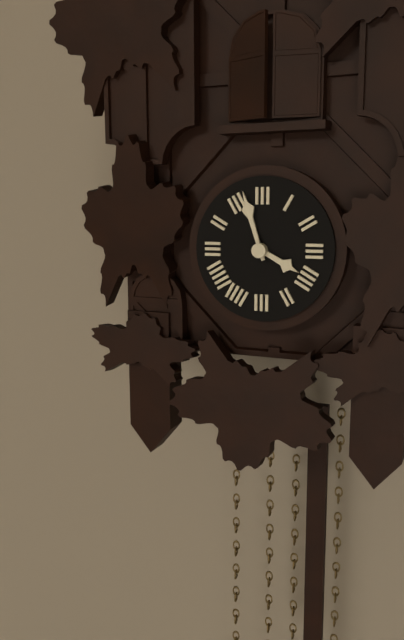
{"hour": 3, "minute": 57}
